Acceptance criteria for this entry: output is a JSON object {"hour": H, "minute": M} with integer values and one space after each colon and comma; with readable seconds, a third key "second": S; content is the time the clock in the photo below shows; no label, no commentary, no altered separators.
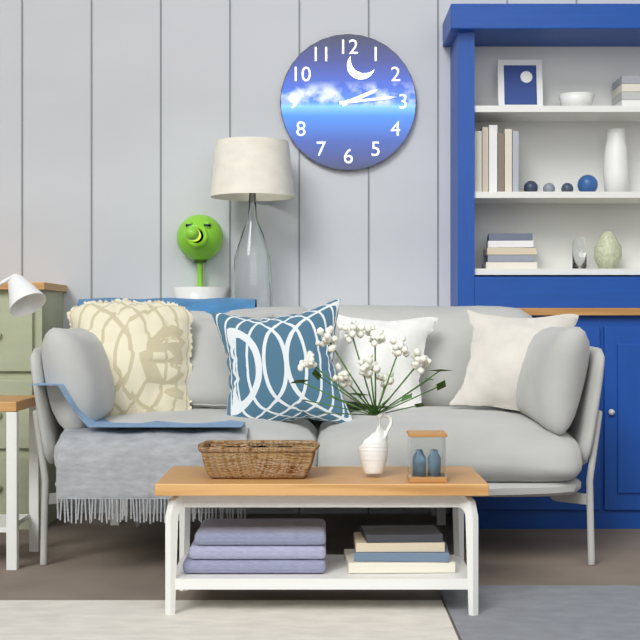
{"hour": 2, "minute": 14}
